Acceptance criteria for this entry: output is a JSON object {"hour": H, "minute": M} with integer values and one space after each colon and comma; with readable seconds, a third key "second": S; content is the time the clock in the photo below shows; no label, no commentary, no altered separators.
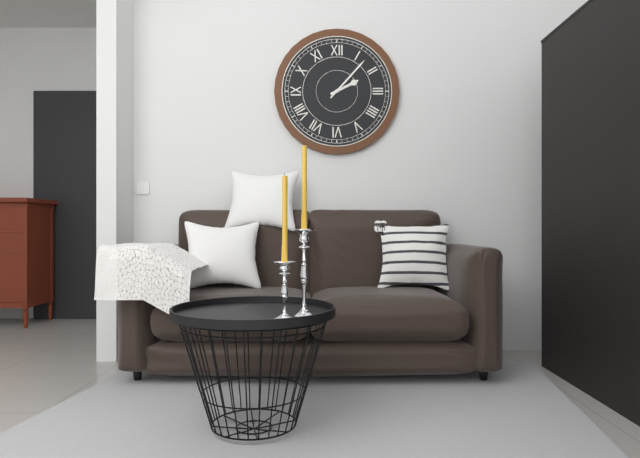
{"hour": 2, "minute": 7}
